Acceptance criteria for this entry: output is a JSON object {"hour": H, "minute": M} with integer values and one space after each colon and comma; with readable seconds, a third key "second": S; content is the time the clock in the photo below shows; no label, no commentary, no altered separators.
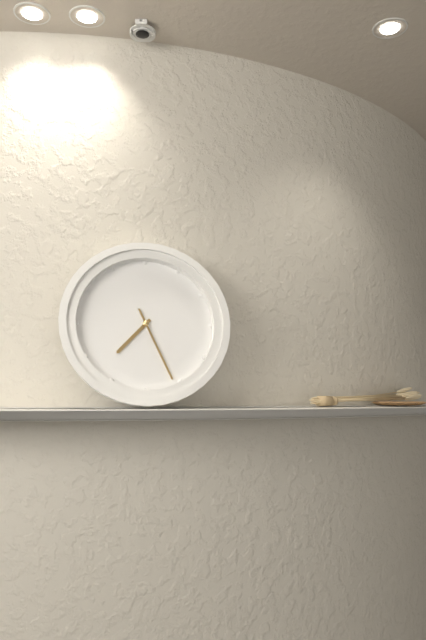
{"hour": 7, "minute": 26}
